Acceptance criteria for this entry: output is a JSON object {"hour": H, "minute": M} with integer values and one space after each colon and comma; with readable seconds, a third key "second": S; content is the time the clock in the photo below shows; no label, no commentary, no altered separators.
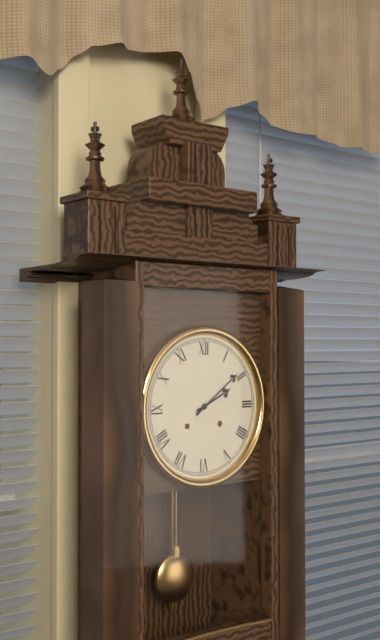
{"hour": 2, "minute": 9}
